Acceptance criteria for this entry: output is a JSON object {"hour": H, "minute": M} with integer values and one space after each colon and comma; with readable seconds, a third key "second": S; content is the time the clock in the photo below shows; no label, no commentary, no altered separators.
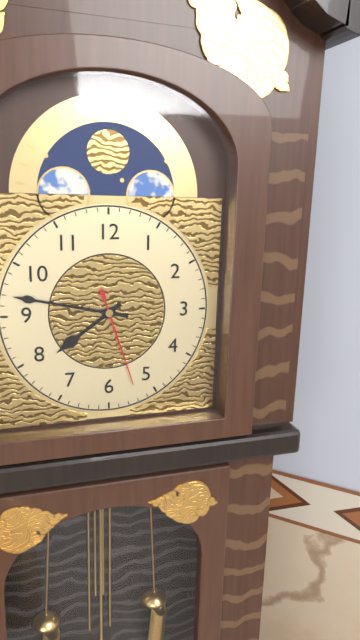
{"hour": 7, "minute": 47, "second": 27}
